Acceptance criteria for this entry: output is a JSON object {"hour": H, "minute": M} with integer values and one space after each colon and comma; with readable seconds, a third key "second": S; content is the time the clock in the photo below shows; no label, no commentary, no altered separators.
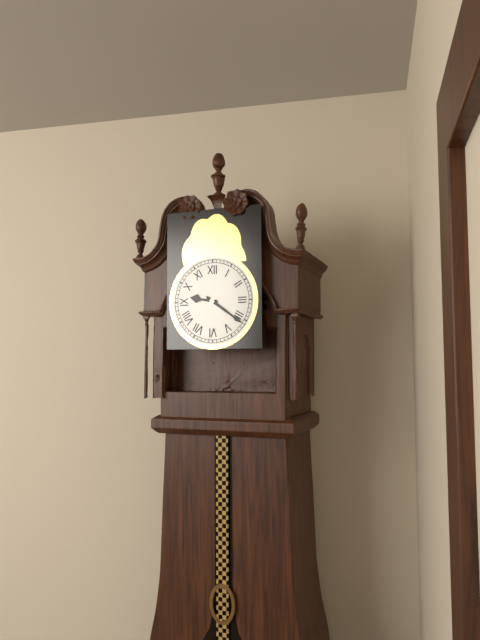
{"hour": 9, "minute": 21}
